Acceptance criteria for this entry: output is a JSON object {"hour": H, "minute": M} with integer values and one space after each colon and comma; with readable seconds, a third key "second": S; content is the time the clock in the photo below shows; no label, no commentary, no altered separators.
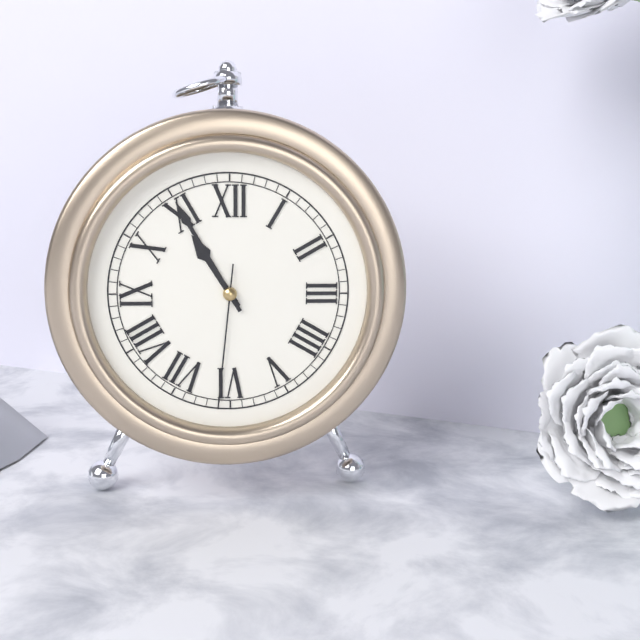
{"hour": 10, "minute": 55, "second": 31}
